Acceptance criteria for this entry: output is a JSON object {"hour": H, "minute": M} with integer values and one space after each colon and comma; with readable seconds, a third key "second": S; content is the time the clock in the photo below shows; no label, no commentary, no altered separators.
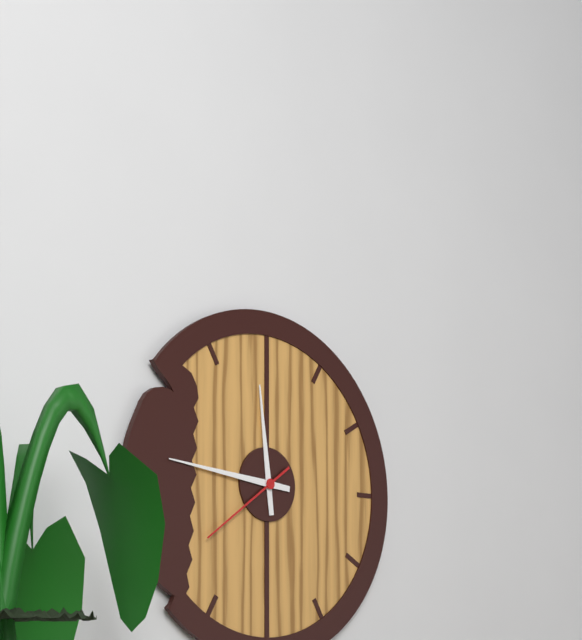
{"hour": 11, "minute": 46, "second": 39}
